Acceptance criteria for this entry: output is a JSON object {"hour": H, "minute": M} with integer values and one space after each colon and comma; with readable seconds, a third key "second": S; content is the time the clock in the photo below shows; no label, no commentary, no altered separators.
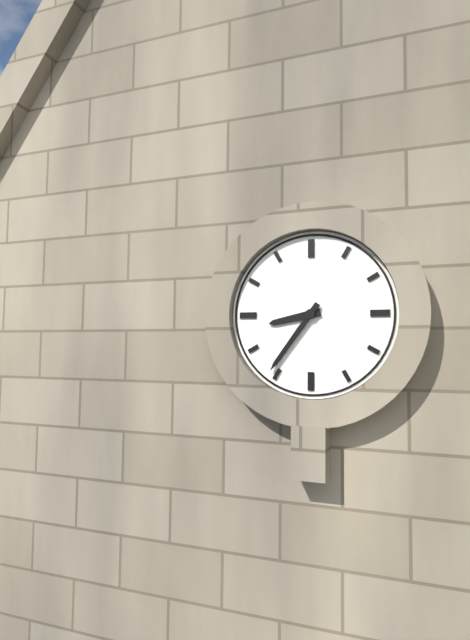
{"hour": 8, "minute": 36}
